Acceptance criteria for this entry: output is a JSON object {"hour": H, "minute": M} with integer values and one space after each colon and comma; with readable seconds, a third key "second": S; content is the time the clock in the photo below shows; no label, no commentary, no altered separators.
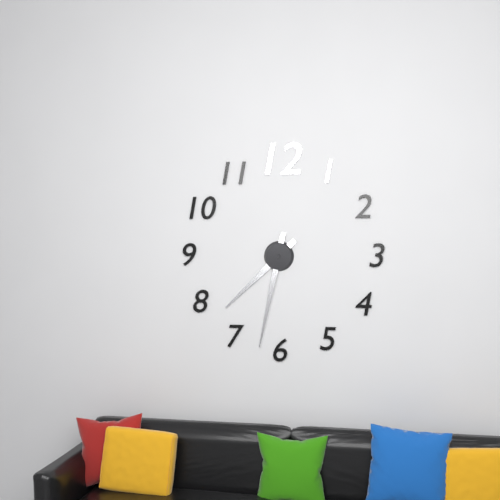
{"hour": 7, "minute": 32}
